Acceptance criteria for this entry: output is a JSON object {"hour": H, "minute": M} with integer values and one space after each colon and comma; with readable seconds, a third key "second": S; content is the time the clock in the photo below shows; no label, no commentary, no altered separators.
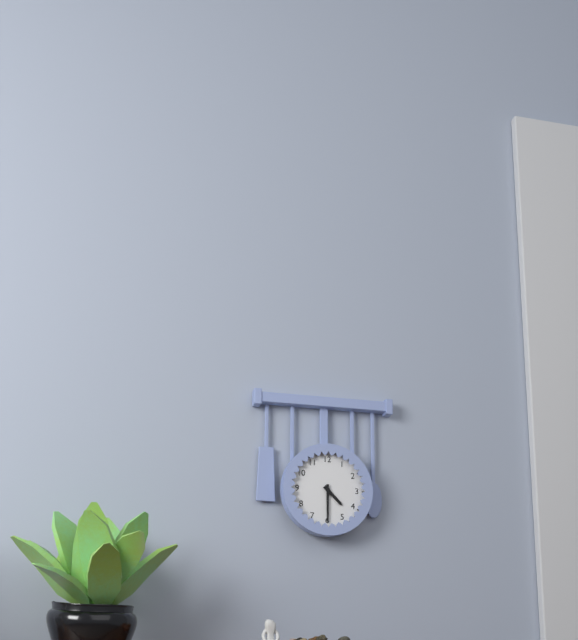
{"hour": 4, "minute": 30}
